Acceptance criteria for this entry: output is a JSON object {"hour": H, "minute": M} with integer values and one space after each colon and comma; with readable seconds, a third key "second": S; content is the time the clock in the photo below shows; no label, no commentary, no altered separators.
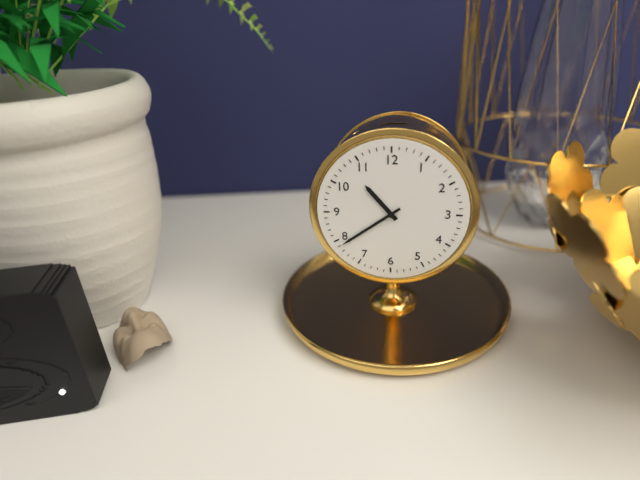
{"hour": 10, "minute": 39}
